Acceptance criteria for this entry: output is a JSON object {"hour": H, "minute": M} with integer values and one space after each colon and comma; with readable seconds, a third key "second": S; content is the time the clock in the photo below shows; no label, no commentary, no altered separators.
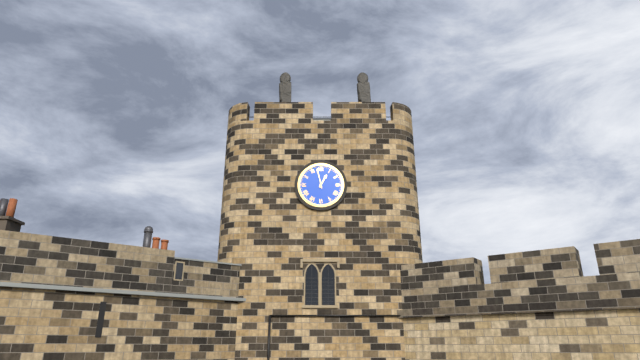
{"hour": 12, "minute": 58}
